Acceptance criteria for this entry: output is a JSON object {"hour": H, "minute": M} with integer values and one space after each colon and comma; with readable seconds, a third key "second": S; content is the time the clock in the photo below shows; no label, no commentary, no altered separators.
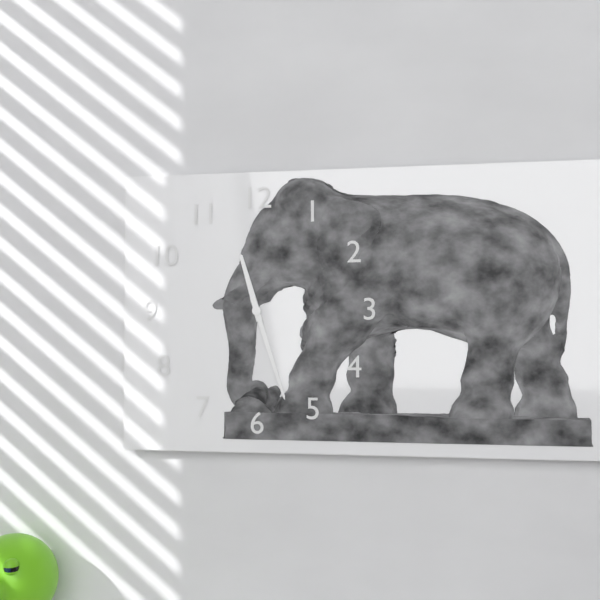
{"hour": 11, "minute": 27}
